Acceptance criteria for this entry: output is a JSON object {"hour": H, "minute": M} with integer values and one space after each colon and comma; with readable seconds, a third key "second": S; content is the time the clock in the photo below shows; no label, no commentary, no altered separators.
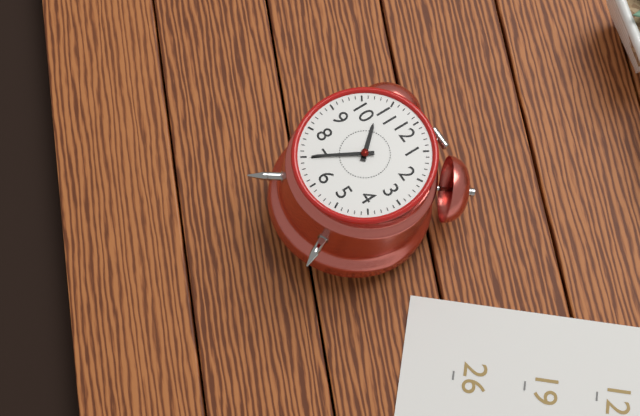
{"hour": 10, "minute": 35}
